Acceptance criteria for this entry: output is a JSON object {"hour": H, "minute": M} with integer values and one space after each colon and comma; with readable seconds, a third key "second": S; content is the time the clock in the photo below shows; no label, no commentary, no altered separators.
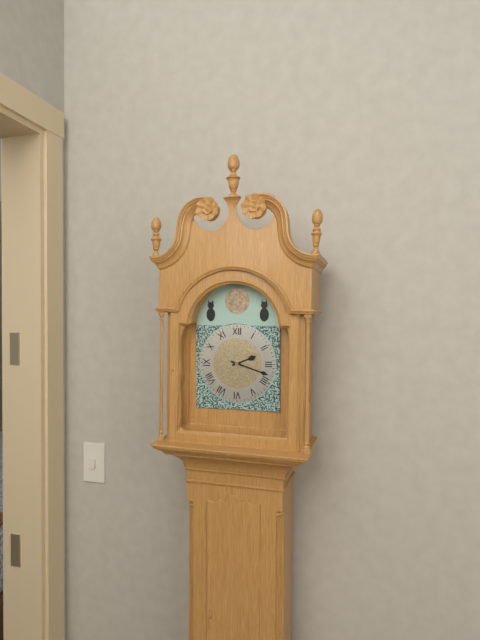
{"hour": 2, "minute": 18}
